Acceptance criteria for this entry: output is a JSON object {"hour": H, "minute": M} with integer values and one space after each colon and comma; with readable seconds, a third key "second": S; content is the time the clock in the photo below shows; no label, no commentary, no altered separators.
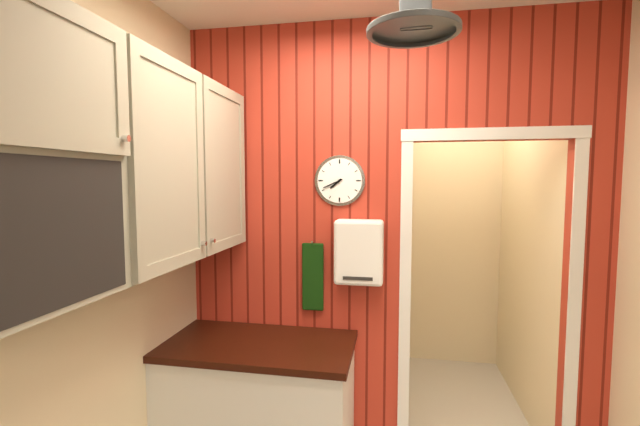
{"hour": 7, "minute": 41}
